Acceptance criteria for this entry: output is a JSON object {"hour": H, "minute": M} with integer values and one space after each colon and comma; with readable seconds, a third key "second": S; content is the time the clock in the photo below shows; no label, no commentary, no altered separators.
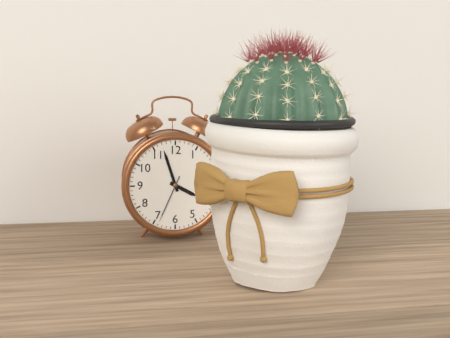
{"hour": 3, "minute": 57, "second": 34}
